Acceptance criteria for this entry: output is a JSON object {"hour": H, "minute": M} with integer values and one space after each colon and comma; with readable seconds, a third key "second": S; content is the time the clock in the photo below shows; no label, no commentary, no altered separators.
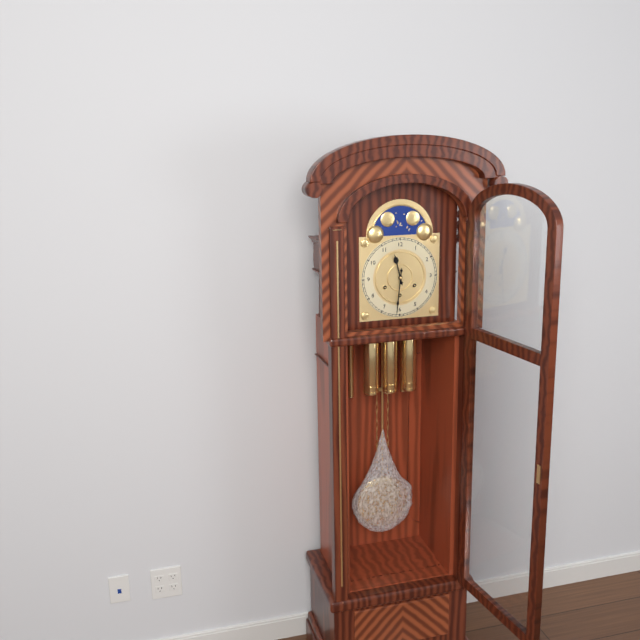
{"hour": 11, "minute": 31}
